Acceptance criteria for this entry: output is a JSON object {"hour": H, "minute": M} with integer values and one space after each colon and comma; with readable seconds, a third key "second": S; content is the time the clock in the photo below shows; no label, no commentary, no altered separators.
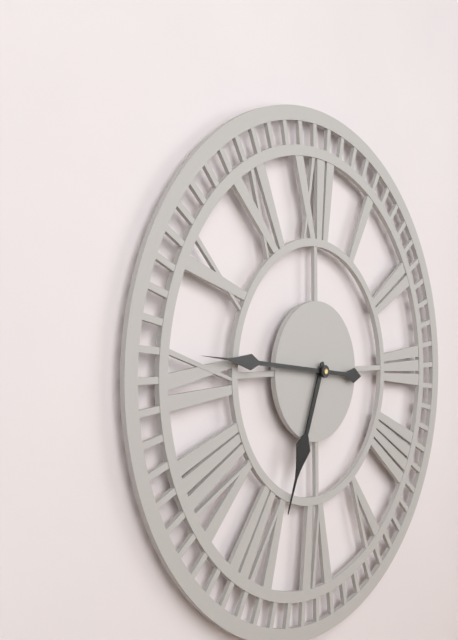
{"hour": 6, "minute": 46}
